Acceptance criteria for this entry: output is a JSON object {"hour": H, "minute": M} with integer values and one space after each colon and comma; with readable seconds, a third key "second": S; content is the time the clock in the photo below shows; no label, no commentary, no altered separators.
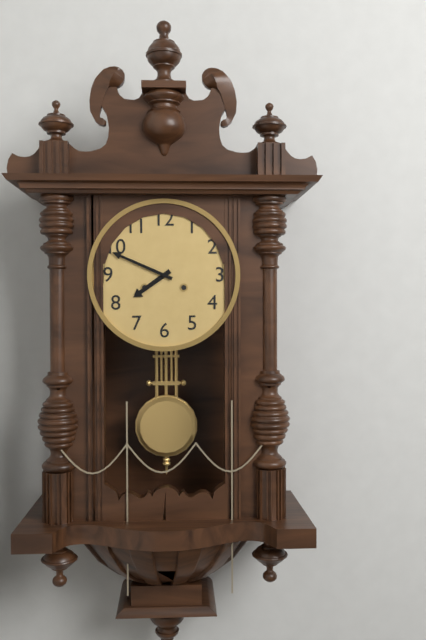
{"hour": 7, "minute": 49}
